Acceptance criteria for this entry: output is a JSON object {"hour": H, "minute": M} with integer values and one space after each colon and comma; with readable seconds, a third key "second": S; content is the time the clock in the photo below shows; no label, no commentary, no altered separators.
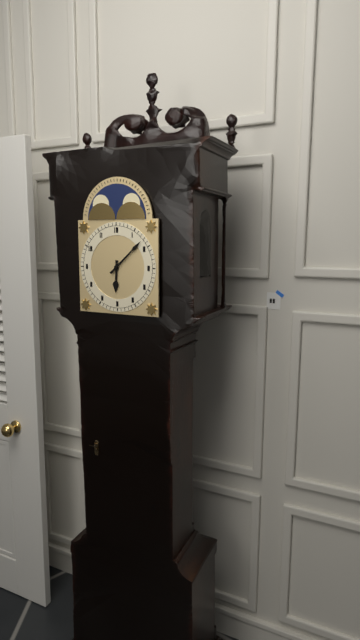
{"hour": 6, "minute": 8}
